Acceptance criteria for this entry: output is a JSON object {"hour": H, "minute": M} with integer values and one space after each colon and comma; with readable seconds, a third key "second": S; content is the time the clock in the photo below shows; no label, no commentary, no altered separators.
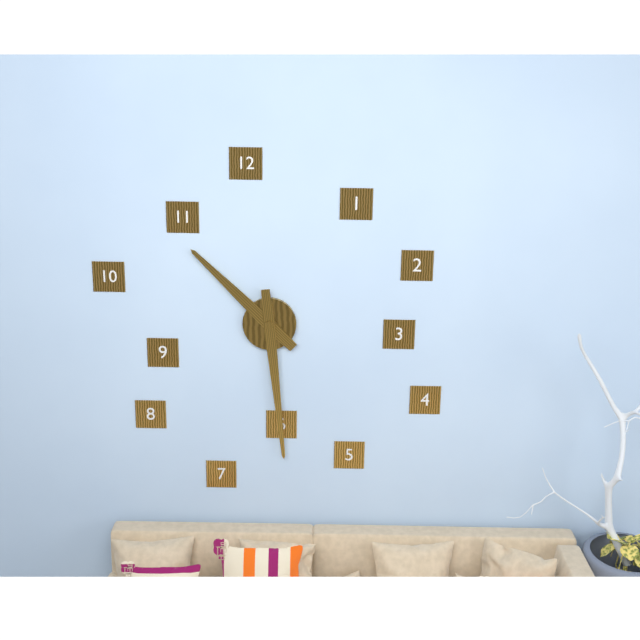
{"hour": 10, "minute": 29}
